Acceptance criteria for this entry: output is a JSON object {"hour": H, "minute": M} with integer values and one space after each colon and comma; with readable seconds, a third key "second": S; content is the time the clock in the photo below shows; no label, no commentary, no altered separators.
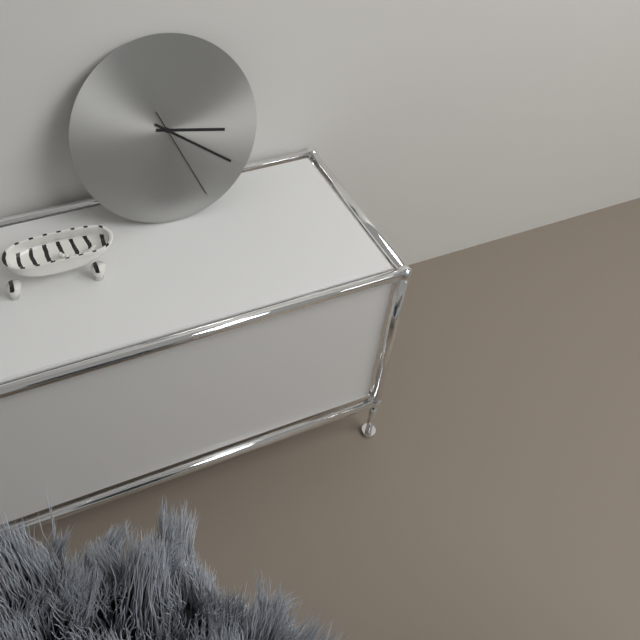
{"hour": 3, "minute": 21, "second": 26}
